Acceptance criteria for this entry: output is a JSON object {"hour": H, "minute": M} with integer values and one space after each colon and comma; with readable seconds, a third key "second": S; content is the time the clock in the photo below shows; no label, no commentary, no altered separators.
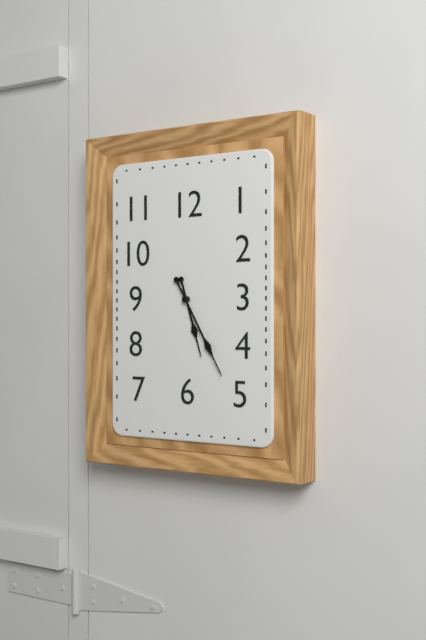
{"hour": 5, "minute": 25}
